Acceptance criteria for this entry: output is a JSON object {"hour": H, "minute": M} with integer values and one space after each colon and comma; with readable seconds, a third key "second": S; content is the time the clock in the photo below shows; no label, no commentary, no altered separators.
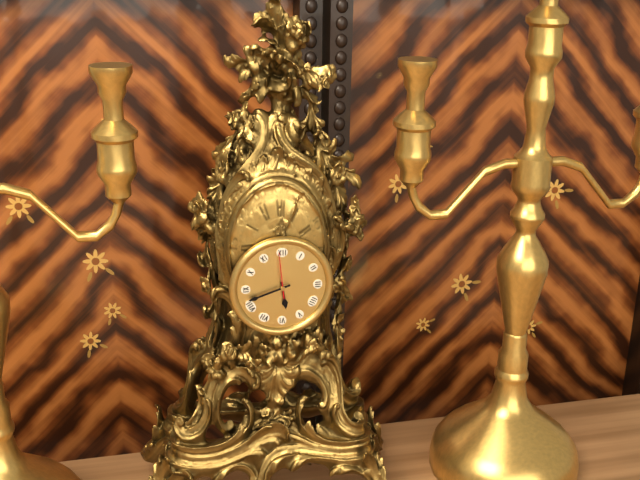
{"hour": 5, "minute": 42}
